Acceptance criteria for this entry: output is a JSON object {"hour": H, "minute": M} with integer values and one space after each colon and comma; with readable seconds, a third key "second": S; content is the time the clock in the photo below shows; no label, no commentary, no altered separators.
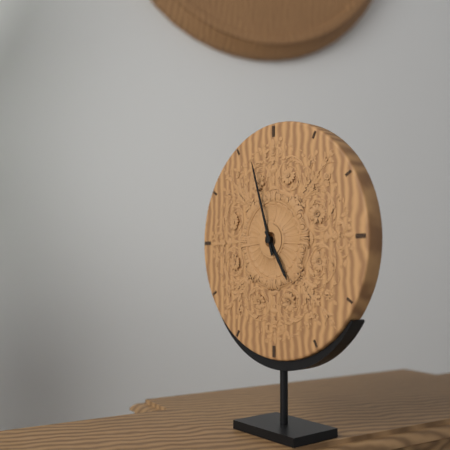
{"hour": 4, "minute": 57}
